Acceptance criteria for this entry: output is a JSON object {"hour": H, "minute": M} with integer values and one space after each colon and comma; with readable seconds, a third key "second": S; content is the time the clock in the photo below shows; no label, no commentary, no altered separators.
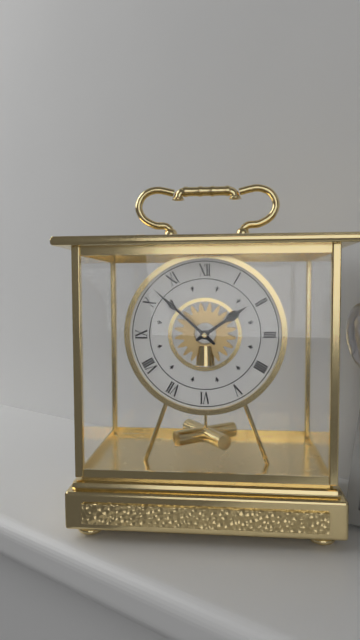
{"hour": 1, "minute": 52}
